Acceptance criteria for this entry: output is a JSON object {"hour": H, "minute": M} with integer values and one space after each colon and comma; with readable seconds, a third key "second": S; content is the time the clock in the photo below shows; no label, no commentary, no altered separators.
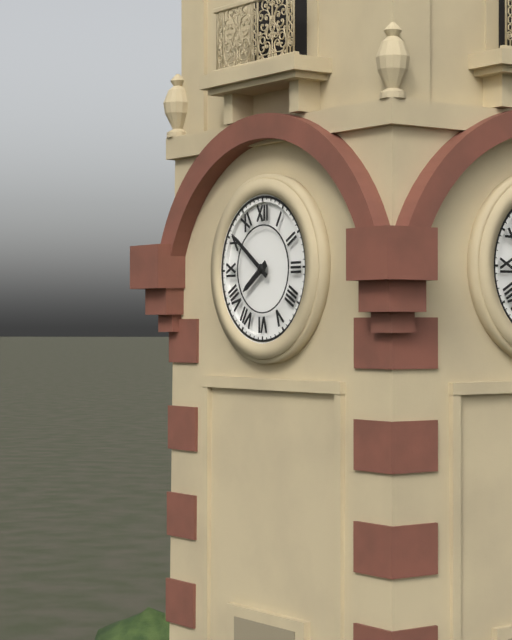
{"hour": 7, "minute": 51}
